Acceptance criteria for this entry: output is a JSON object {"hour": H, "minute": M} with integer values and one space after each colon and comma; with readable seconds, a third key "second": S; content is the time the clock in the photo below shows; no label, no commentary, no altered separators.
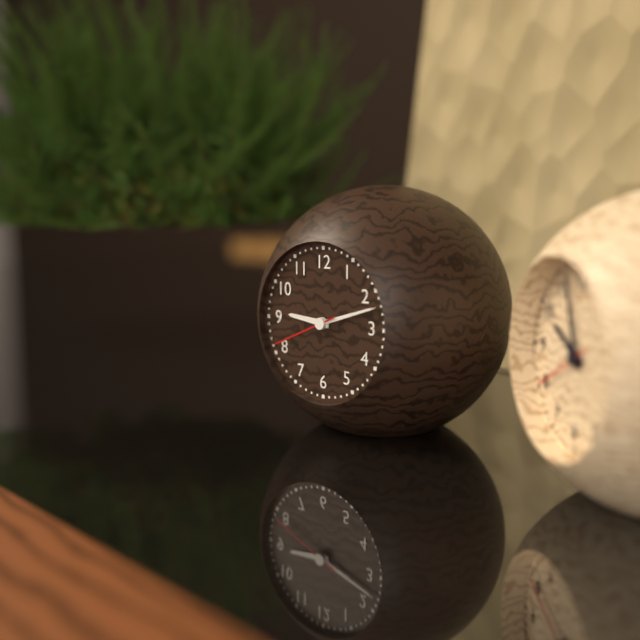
{"hour": 9, "minute": 12, "second": 41}
